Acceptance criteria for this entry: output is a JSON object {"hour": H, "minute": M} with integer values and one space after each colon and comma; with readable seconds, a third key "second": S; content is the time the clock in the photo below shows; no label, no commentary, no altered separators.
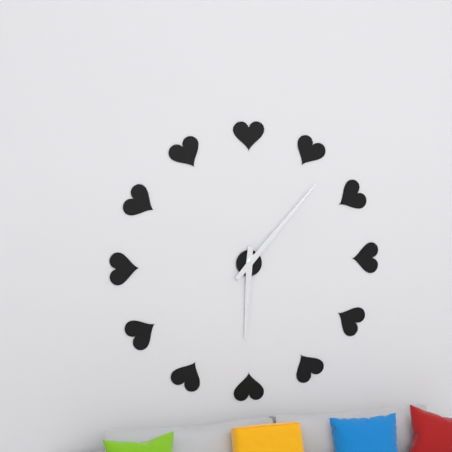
{"hour": 6, "minute": 7}
